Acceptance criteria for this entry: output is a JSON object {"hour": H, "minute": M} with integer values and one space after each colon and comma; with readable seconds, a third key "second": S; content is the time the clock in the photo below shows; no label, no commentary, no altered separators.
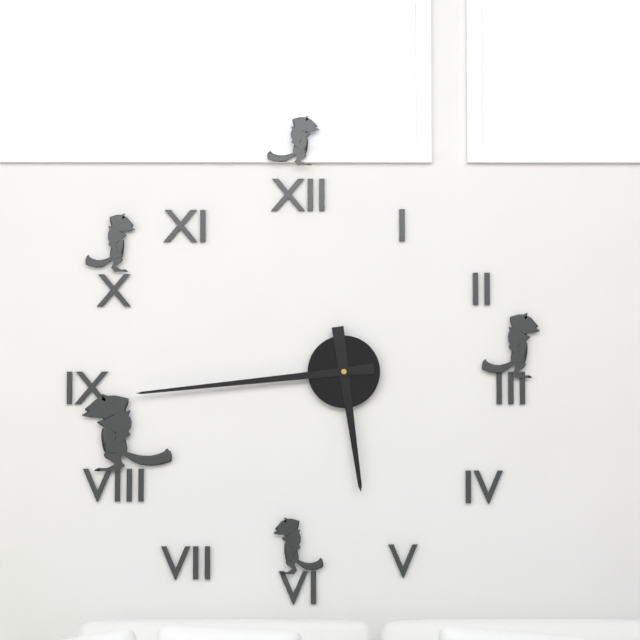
{"hour": 5, "minute": 44}
